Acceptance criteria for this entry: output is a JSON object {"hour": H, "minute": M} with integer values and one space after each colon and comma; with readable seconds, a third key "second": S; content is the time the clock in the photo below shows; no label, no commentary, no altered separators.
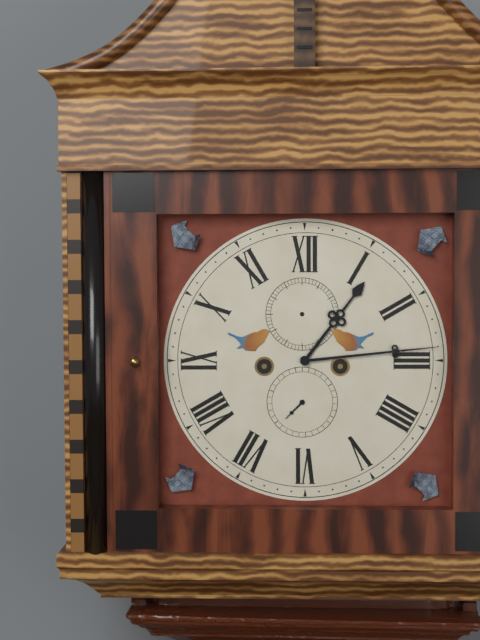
{"hour": 1, "minute": 14}
